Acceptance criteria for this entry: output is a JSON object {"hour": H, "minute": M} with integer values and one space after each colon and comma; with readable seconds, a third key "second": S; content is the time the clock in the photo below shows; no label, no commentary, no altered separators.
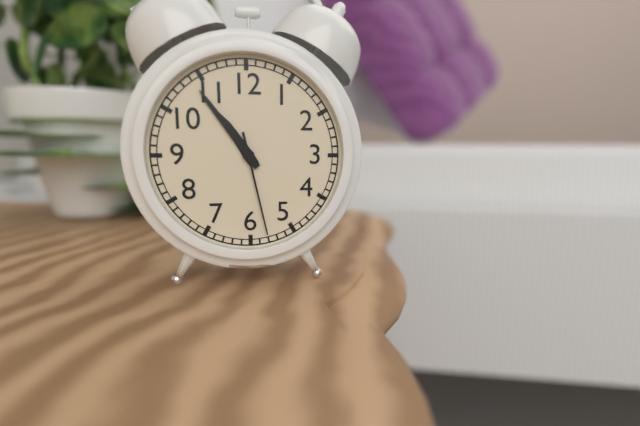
{"hour": 10, "minute": 54, "second": 28}
